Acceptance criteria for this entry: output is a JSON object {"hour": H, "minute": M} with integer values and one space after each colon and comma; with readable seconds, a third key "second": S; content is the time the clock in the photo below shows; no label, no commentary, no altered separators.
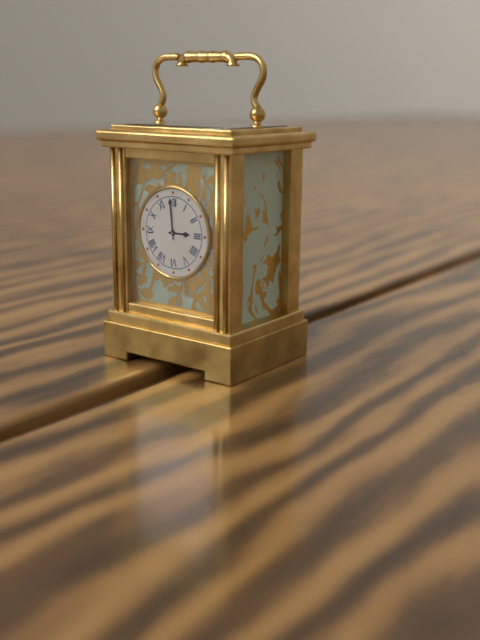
{"hour": 2, "minute": 59}
